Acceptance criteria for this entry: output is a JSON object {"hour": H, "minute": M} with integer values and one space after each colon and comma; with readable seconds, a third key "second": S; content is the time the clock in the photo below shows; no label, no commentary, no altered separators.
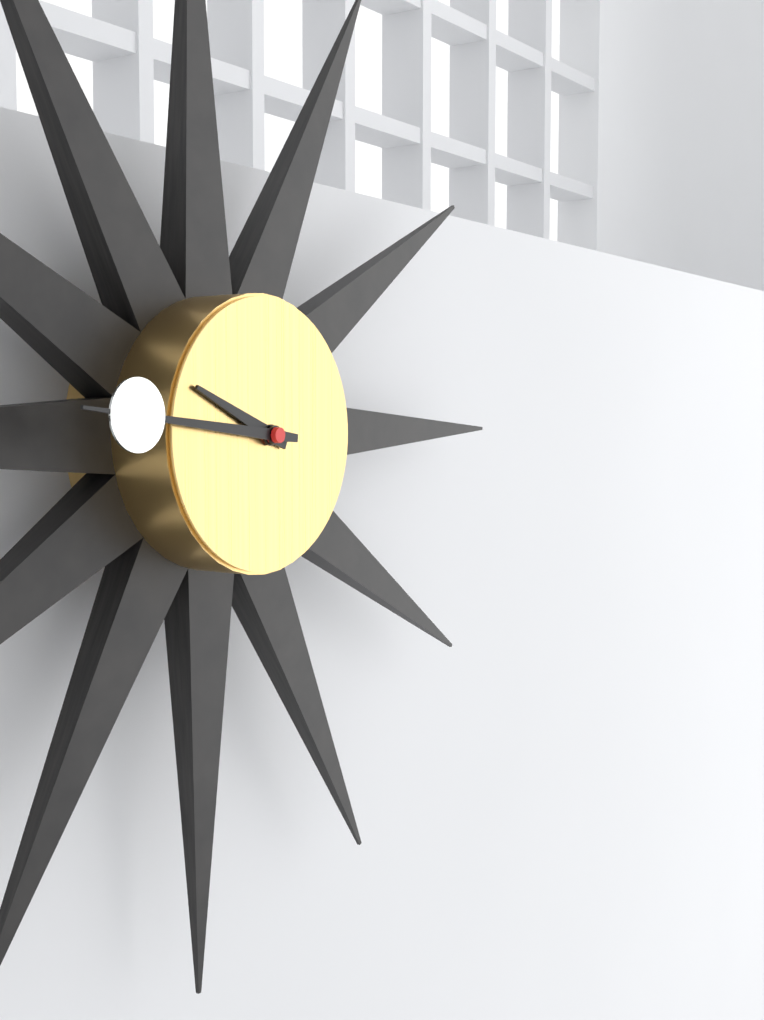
{"hour": 9, "minute": 46}
